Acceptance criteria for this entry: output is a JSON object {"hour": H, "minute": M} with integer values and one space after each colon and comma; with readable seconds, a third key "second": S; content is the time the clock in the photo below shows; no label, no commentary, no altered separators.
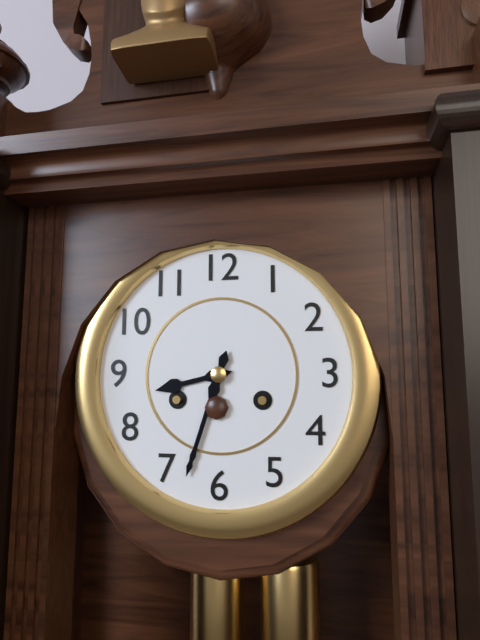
{"hour": 8, "minute": 33}
